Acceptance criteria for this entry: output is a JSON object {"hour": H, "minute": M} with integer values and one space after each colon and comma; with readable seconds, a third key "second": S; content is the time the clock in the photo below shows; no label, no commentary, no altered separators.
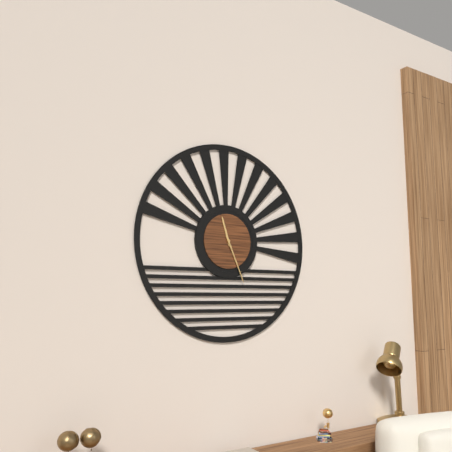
{"hour": 11, "minute": 26}
